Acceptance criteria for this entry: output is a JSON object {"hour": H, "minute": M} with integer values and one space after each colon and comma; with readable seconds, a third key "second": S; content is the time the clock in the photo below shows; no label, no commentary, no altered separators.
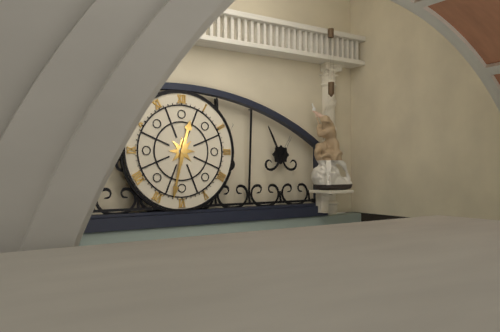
{"hour": 12, "minute": 32}
